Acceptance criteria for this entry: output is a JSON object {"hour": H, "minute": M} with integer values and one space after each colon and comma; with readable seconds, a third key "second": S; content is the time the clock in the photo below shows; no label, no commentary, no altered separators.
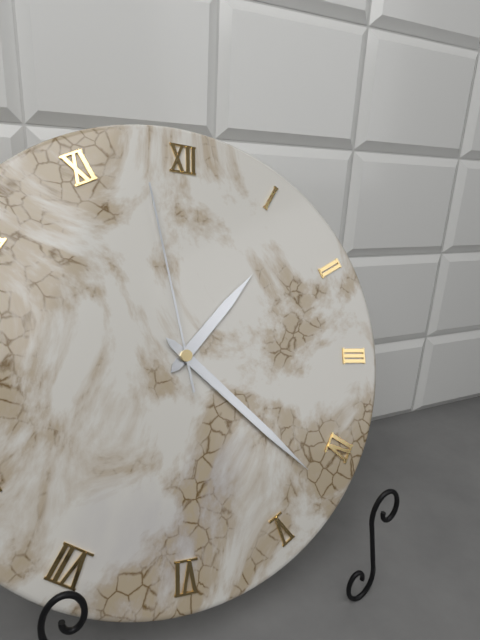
{"hour": 1, "minute": 22, "second": 58}
